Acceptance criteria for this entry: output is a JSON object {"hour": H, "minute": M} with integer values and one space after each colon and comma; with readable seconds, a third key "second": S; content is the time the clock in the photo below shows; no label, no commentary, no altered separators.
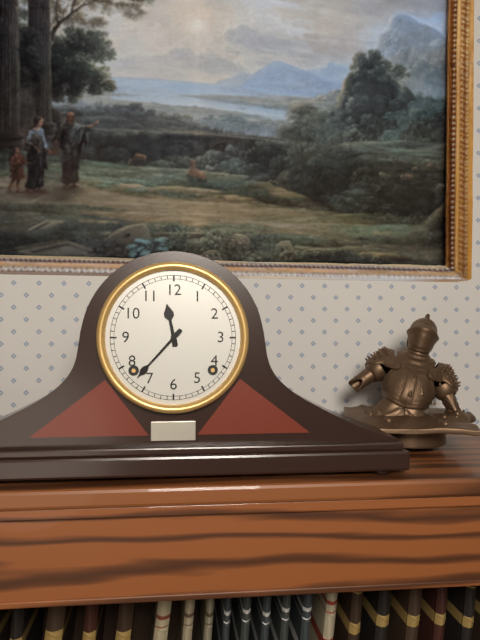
{"hour": 11, "minute": 37}
